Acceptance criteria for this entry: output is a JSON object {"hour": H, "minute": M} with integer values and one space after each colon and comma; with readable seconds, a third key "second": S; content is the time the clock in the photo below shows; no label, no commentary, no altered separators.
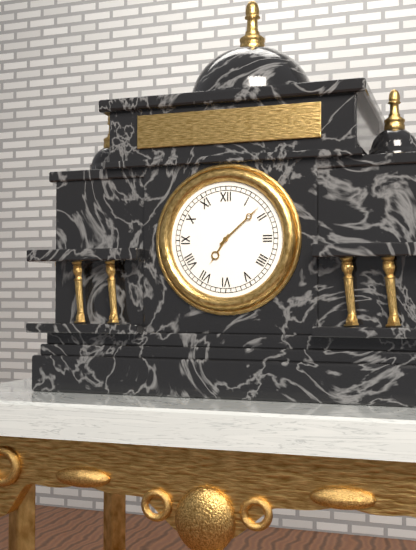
{"hour": 7, "minute": 8}
